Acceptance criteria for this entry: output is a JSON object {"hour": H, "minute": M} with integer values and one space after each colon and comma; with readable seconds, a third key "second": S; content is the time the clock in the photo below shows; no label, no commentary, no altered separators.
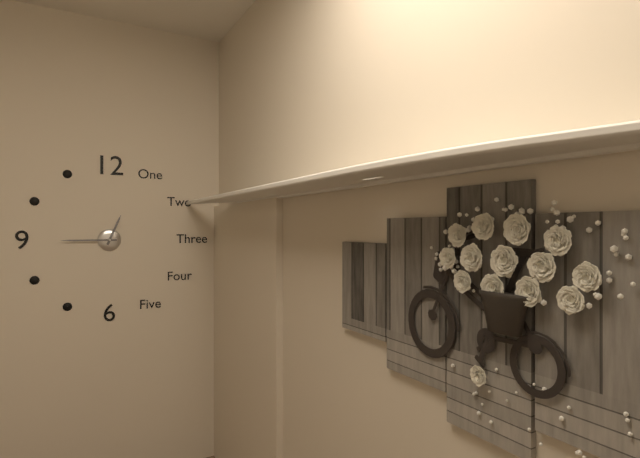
{"hour": 12, "minute": 45}
